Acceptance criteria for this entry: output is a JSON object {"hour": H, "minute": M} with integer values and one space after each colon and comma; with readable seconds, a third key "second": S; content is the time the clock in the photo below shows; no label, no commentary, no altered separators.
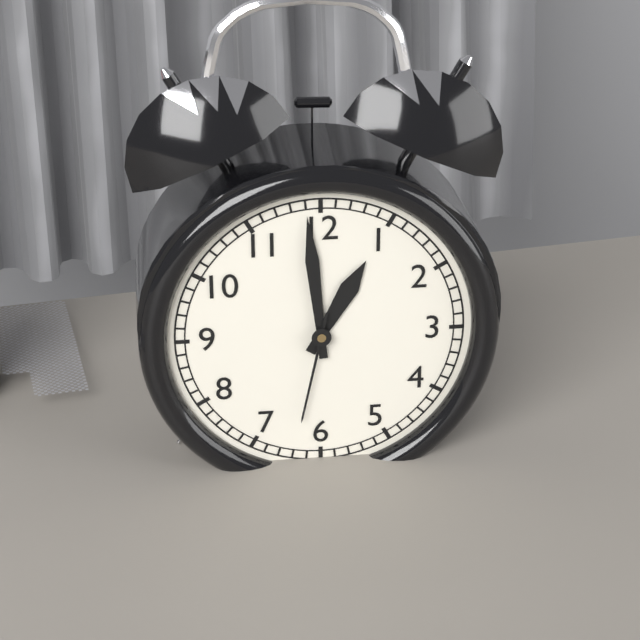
{"hour": 12, "minute": 59, "second": 32}
